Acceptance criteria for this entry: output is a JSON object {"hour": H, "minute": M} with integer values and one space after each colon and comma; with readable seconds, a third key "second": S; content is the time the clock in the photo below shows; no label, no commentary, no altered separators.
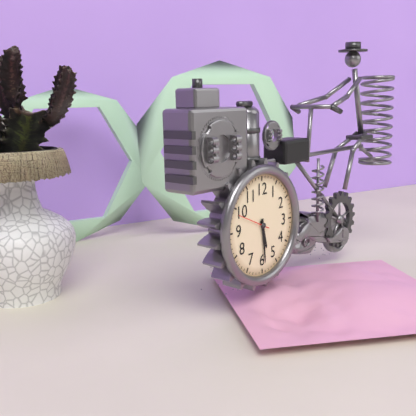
{"hour": 5, "minute": 29}
